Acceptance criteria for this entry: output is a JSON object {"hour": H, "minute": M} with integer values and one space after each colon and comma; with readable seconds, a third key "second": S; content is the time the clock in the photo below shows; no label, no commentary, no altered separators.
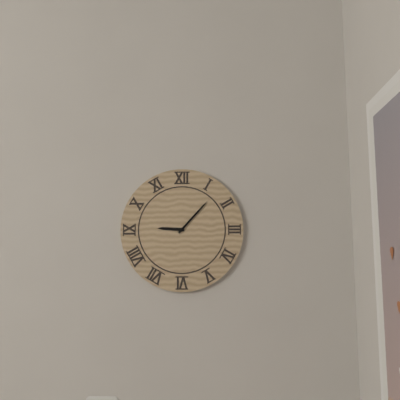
{"hour": 9, "minute": 7}
